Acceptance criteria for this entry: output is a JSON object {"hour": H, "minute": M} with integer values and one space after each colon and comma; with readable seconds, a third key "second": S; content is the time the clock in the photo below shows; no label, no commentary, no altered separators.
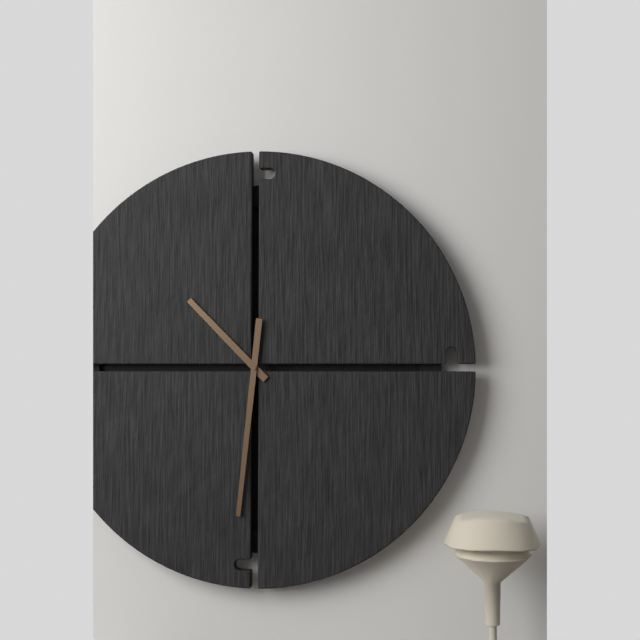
{"hour": 10, "minute": 31}
